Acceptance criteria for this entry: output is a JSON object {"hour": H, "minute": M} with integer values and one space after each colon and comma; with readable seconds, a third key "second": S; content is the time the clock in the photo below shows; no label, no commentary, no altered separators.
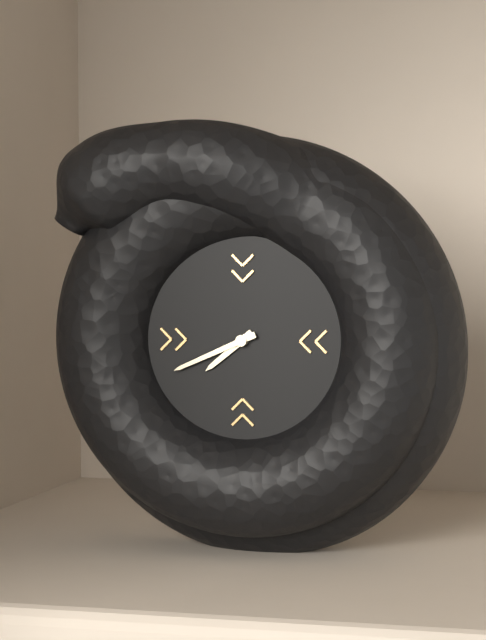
{"hour": 7, "minute": 41}
